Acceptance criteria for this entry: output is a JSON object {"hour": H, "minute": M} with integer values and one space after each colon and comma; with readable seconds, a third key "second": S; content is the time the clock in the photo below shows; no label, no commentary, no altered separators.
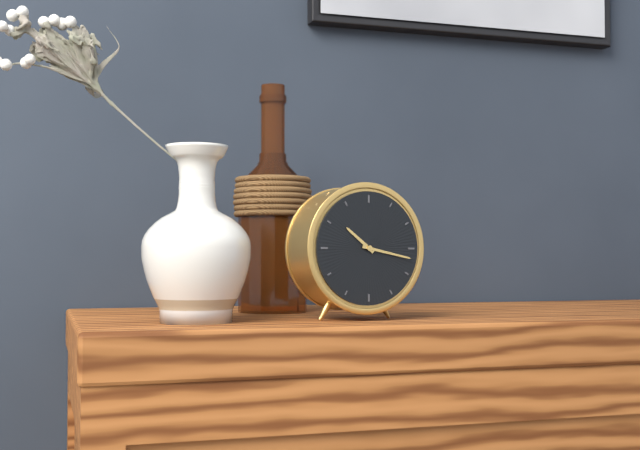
{"hour": 10, "minute": 17}
